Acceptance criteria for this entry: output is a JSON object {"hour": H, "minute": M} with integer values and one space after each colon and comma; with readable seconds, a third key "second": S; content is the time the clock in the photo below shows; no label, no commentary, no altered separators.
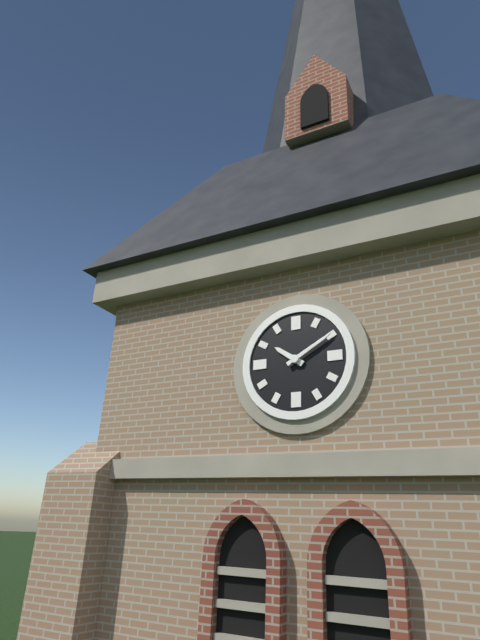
{"hour": 10, "minute": 10}
